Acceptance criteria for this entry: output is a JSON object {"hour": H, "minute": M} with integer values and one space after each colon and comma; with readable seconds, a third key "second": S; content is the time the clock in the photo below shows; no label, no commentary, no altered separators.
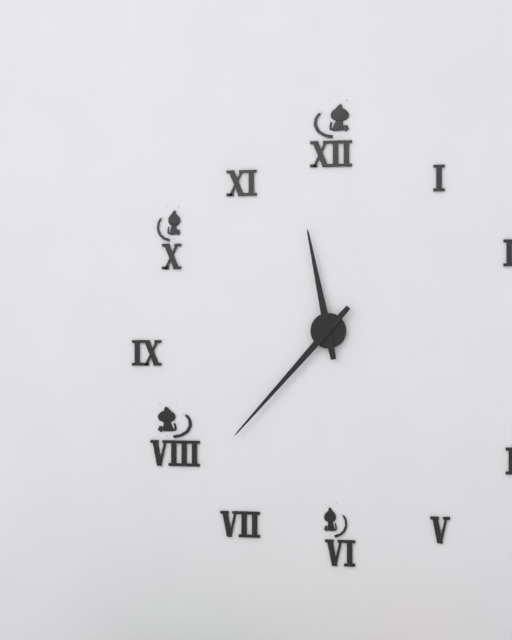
{"hour": 11, "minute": 37}
